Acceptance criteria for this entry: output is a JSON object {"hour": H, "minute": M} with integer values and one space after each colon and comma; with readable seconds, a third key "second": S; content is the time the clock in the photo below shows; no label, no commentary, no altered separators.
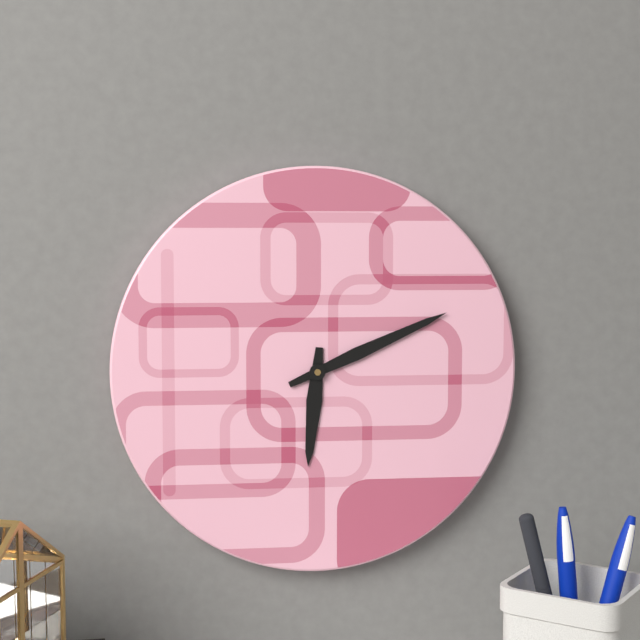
{"hour": 6, "minute": 11}
